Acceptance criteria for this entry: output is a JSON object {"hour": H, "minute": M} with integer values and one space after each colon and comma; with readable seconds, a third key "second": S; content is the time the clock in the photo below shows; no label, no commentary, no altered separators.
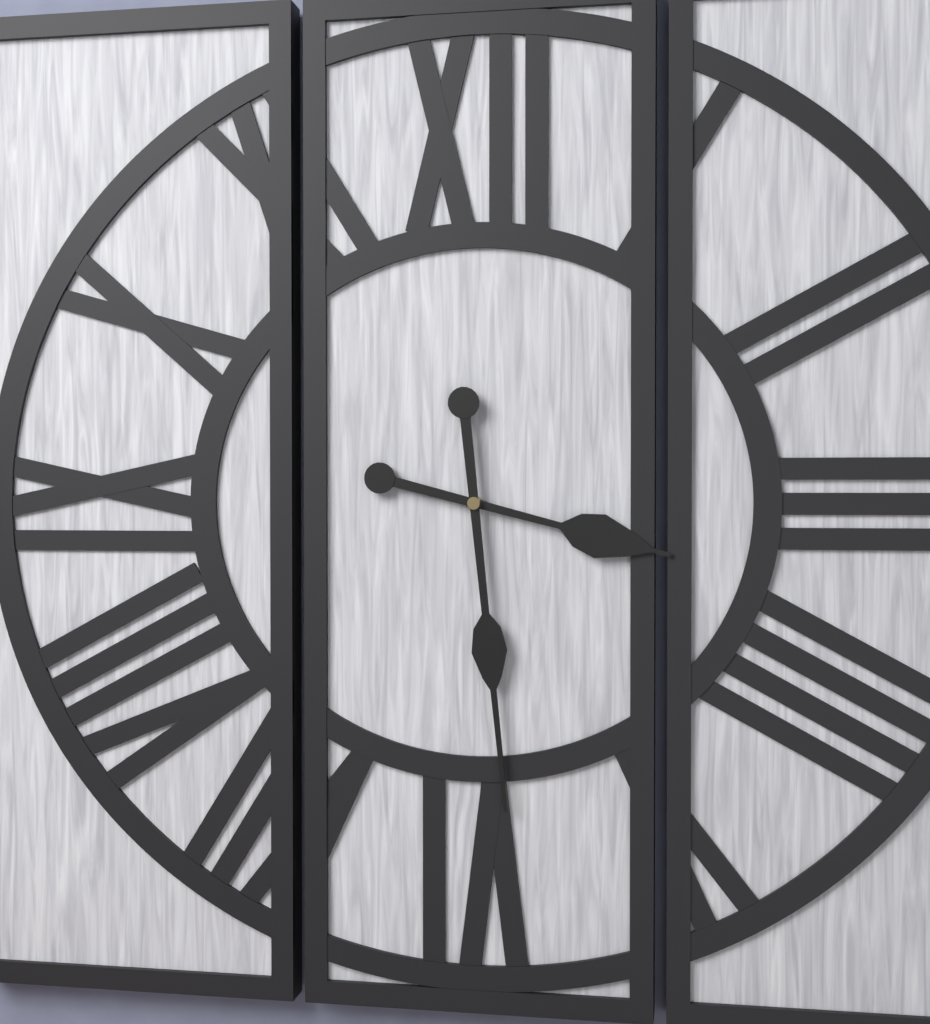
{"hour": 3, "minute": 29}
